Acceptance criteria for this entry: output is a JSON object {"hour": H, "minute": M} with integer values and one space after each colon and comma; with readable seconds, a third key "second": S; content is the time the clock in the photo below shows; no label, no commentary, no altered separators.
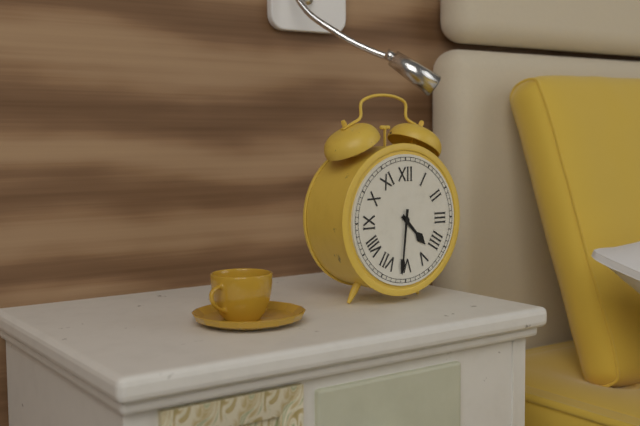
{"hour": 4, "minute": 31}
